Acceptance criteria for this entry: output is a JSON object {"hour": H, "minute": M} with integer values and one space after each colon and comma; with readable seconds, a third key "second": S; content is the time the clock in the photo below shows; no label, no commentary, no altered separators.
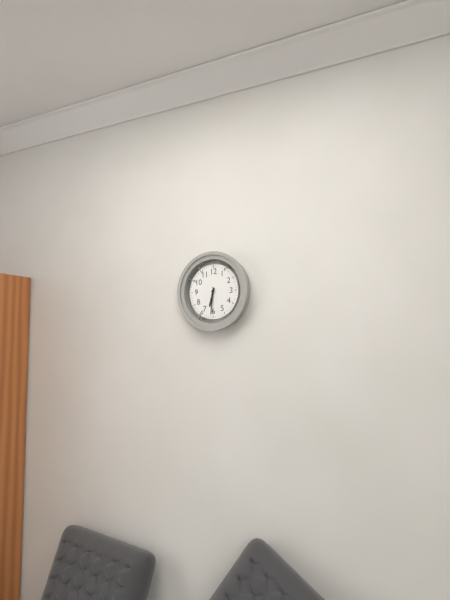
{"hour": 6, "minute": 31}
